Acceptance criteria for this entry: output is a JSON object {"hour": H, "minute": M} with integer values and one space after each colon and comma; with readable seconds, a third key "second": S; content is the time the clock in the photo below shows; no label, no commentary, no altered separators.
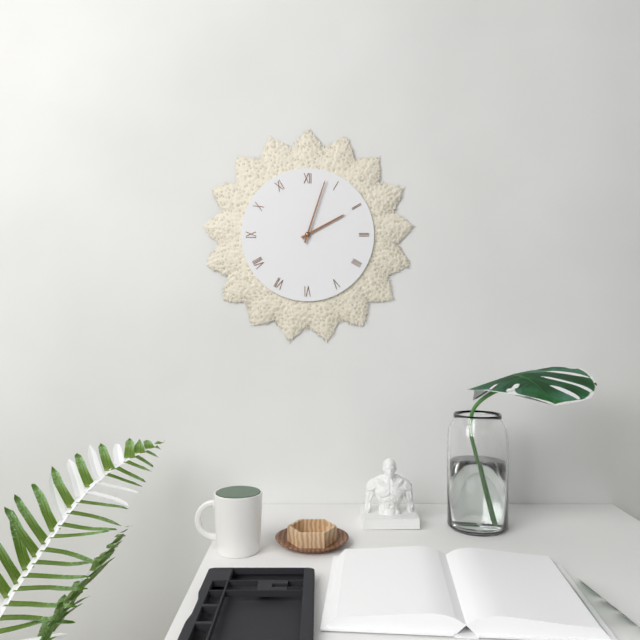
{"hour": 2, "minute": 3}
